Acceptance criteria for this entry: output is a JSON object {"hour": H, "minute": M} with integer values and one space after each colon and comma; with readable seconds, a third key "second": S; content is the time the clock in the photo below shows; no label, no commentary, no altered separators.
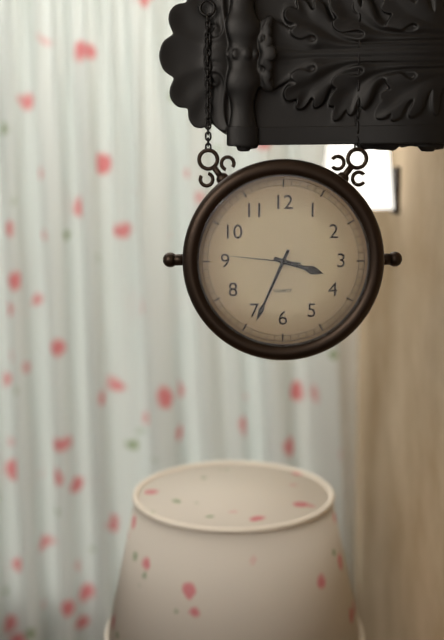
{"hour": 3, "minute": 34, "second": 46}
